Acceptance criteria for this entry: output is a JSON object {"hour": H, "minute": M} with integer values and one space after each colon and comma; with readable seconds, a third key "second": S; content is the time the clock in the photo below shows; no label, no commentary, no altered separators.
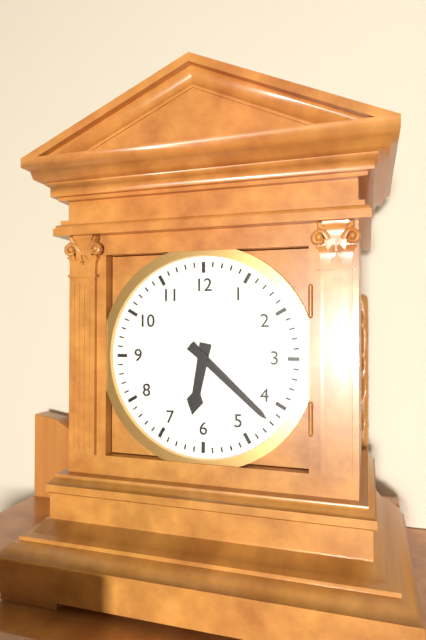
{"hour": 6, "minute": 22}
